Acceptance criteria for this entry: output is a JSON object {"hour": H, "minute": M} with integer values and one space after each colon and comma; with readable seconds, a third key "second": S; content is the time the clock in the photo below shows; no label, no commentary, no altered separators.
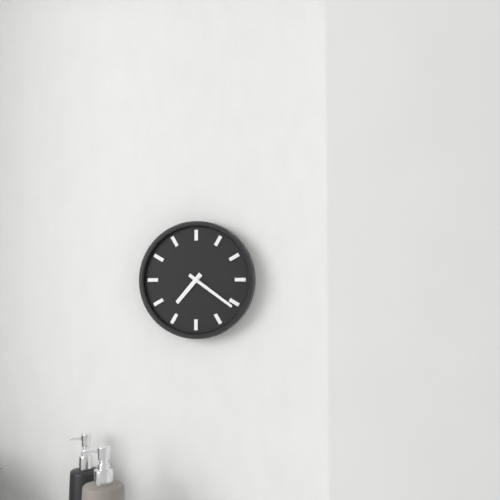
{"hour": 7, "minute": 21}
